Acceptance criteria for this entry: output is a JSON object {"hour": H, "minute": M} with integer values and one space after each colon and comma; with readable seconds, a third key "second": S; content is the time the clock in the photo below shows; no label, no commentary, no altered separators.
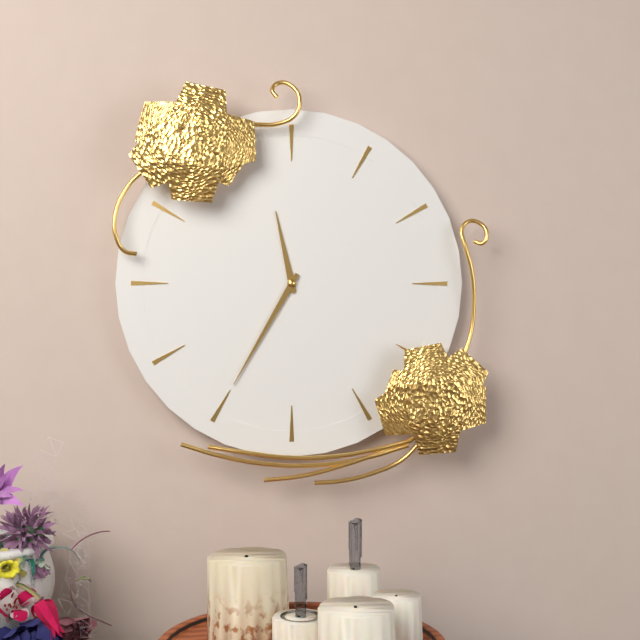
{"hour": 11, "minute": 35}
